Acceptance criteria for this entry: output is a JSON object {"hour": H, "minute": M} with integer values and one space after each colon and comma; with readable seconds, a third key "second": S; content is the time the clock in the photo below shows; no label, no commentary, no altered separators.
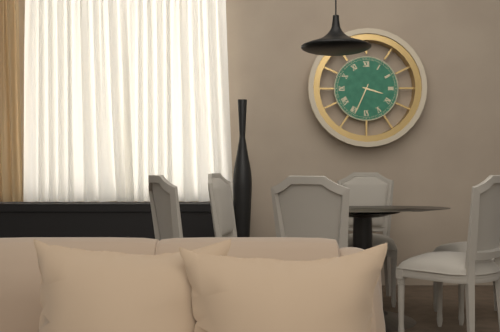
{"hour": 3, "minute": 34}
